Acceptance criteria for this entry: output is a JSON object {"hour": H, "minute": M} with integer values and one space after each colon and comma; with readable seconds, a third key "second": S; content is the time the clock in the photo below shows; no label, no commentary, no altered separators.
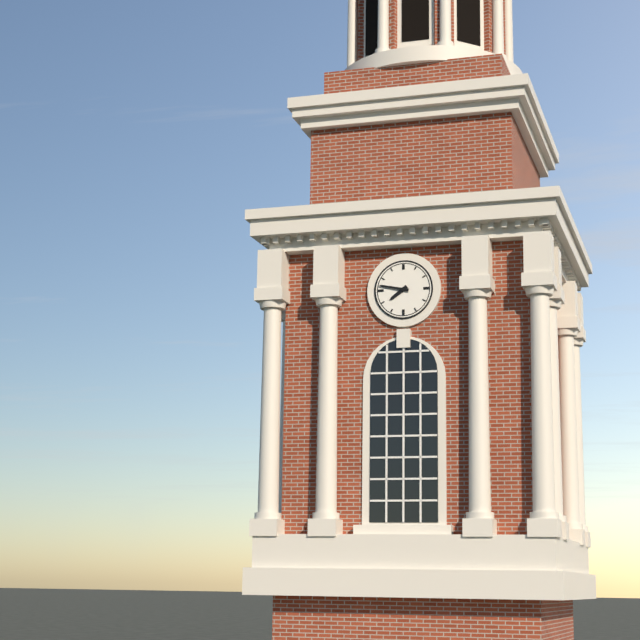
{"hour": 7, "minute": 47}
